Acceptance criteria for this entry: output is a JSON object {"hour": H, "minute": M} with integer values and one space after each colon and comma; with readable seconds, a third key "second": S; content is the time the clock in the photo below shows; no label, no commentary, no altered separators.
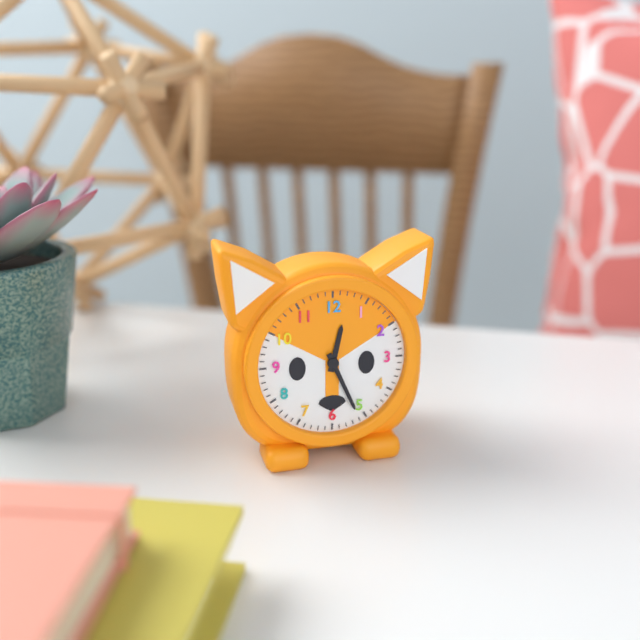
{"hour": 12, "minute": 26}
